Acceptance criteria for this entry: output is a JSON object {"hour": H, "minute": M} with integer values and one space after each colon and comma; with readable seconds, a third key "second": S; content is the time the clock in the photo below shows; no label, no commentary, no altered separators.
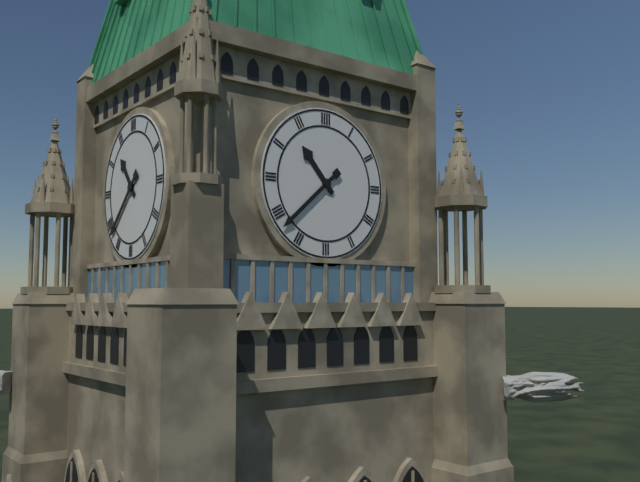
{"hour": 10, "minute": 38}
